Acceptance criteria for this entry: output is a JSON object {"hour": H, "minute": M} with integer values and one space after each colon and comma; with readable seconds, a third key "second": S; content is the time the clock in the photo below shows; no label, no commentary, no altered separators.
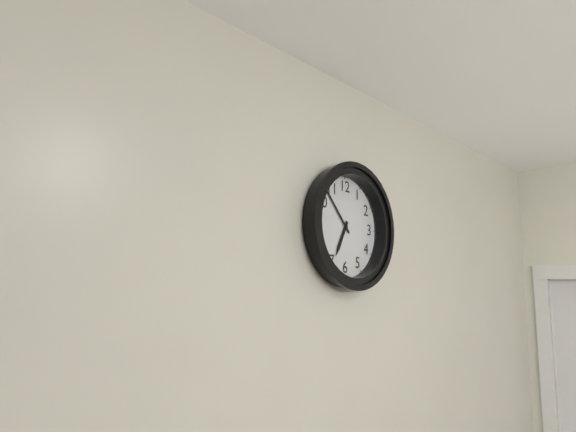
{"hour": 6, "minute": 53}
